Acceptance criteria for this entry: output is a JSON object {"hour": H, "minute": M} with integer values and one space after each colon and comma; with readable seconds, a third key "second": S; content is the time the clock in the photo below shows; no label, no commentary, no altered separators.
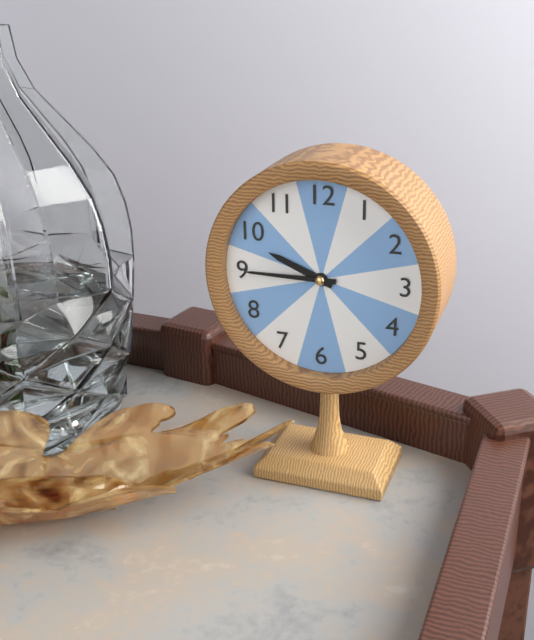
{"hour": 9, "minute": 45}
